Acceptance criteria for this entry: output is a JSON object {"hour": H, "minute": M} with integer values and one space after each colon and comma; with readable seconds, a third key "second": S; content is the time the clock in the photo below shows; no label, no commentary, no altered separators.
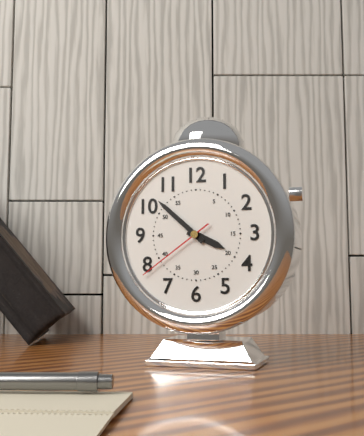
{"hour": 3, "minute": 52, "second": 39}
